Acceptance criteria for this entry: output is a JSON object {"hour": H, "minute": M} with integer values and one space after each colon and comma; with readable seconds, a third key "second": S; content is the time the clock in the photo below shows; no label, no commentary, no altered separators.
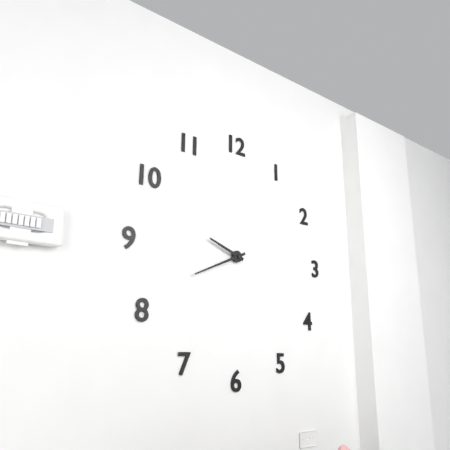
{"hour": 9, "minute": 41}
